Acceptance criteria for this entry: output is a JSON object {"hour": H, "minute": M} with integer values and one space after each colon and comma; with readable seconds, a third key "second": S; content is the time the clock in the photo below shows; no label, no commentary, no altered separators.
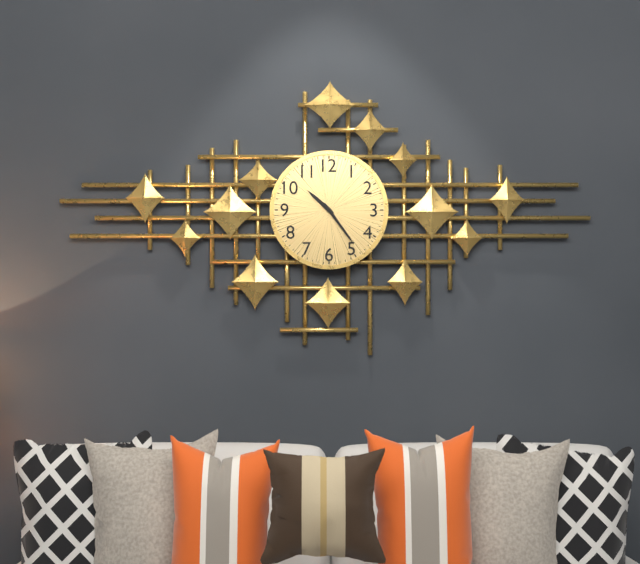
{"hour": 10, "minute": 24}
